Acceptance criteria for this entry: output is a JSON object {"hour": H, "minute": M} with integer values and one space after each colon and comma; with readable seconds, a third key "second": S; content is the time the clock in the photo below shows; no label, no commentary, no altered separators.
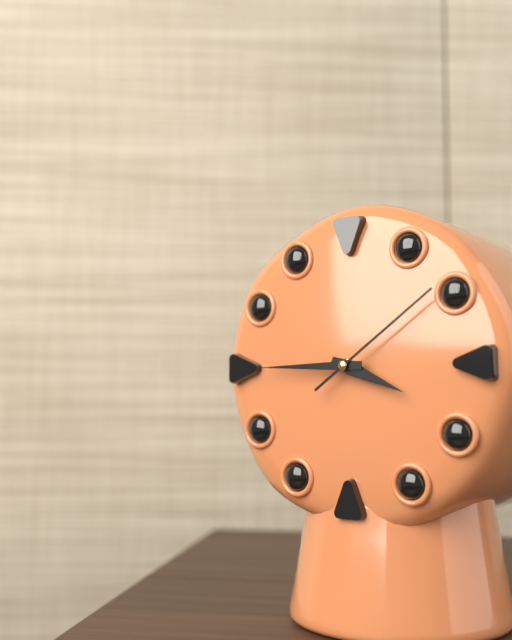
{"hour": 3, "minute": 45, "second": 9}
